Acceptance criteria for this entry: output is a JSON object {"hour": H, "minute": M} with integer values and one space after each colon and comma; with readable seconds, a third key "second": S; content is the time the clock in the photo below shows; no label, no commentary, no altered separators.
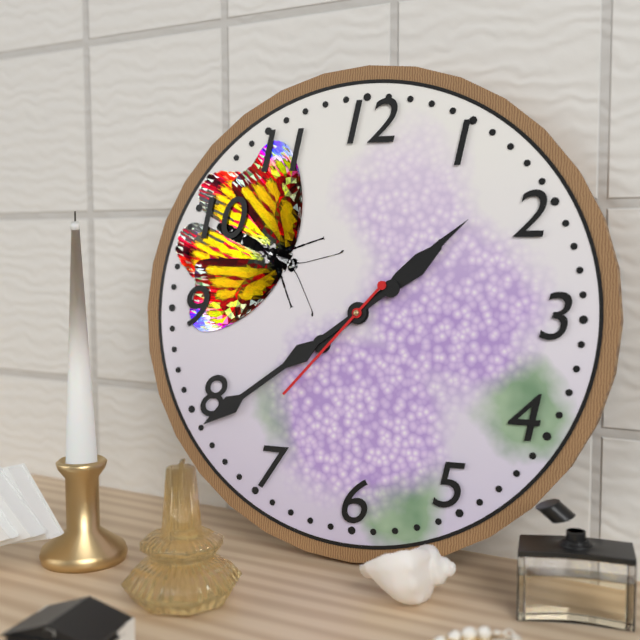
{"hour": 1, "minute": 39, "second": 37}
